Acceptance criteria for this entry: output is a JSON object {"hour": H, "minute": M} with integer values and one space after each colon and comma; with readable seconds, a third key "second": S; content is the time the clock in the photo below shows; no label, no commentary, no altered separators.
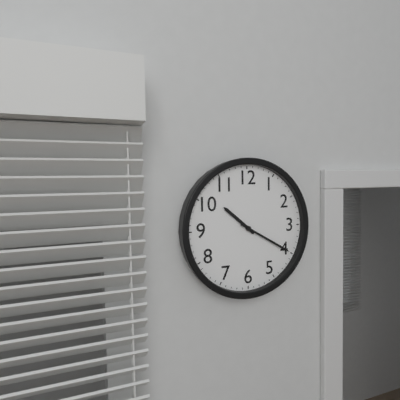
{"hour": 10, "minute": 20}
